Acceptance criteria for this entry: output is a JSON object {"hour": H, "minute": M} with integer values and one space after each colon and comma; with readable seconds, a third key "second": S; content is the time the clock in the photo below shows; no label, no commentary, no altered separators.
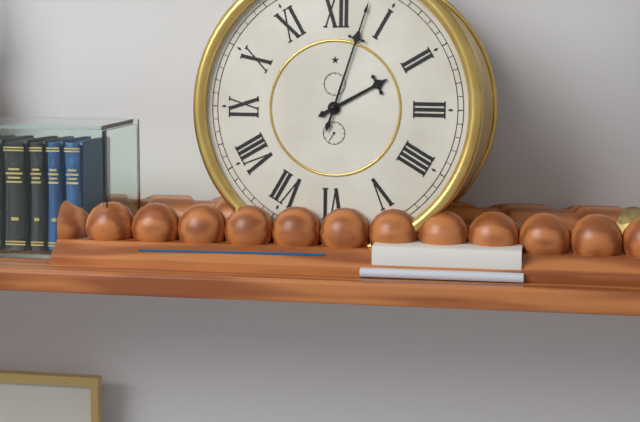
{"hour": 2, "minute": 3}
